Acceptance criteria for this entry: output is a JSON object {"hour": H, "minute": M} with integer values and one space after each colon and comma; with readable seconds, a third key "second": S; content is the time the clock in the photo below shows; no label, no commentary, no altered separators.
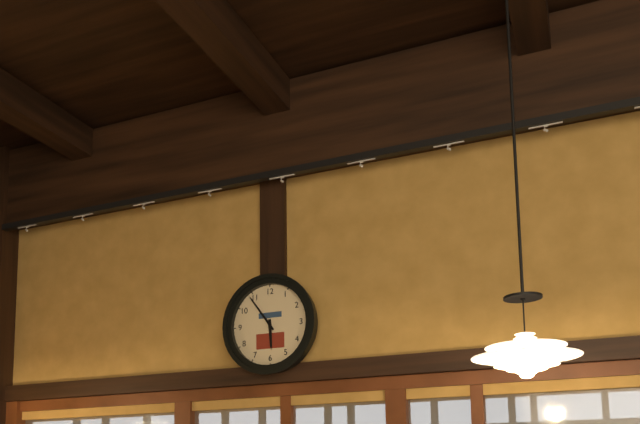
{"hour": 5, "minute": 54}
